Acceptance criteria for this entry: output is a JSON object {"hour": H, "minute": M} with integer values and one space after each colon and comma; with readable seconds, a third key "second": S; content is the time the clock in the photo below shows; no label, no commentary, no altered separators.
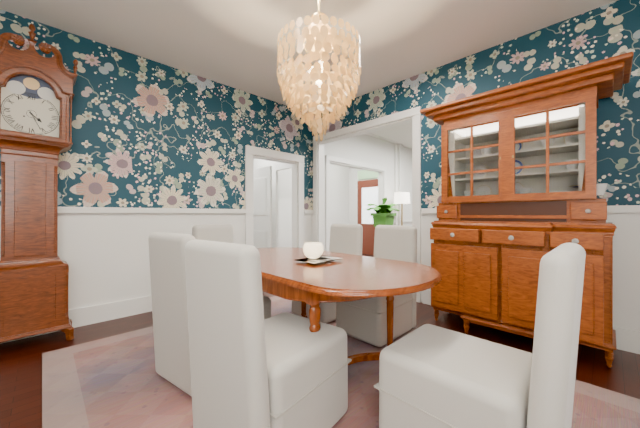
{"hour": 4, "minute": 26}
